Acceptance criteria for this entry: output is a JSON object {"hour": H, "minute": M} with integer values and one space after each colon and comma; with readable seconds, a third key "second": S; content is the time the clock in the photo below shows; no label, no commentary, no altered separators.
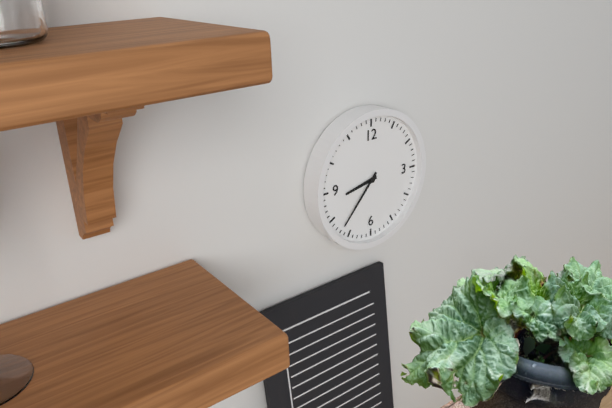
{"hour": 8, "minute": 37}
